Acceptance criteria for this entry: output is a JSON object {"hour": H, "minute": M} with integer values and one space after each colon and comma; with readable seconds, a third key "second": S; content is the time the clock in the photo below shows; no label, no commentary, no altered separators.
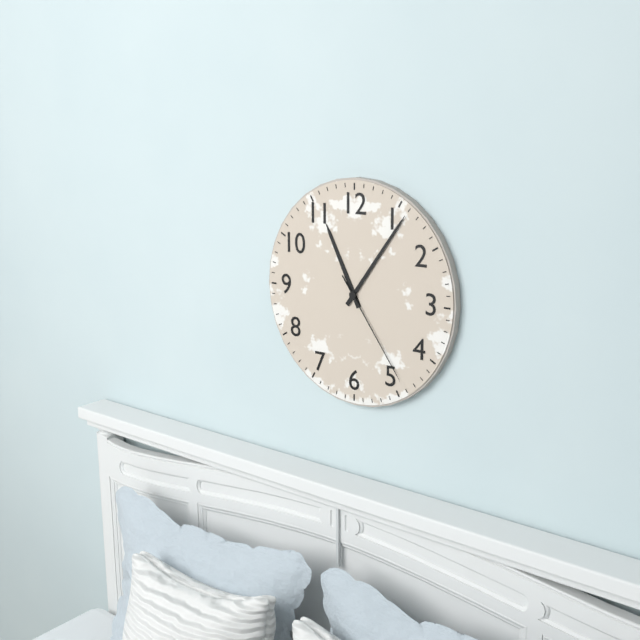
{"hour": 11, "minute": 6, "second": 24}
